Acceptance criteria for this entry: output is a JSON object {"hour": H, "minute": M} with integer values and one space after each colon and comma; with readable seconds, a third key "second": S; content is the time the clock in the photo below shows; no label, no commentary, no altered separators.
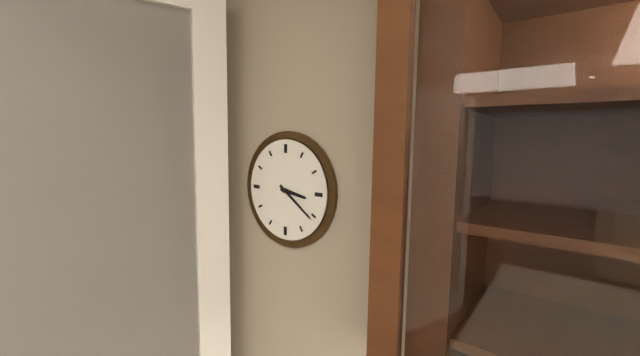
{"hour": 3, "minute": 21}
